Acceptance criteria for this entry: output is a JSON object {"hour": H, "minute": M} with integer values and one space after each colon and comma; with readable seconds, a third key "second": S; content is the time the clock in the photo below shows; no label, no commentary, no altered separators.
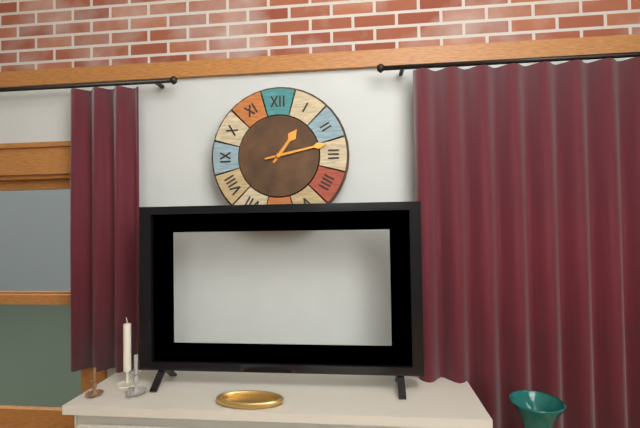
{"hour": 1, "minute": 13}
